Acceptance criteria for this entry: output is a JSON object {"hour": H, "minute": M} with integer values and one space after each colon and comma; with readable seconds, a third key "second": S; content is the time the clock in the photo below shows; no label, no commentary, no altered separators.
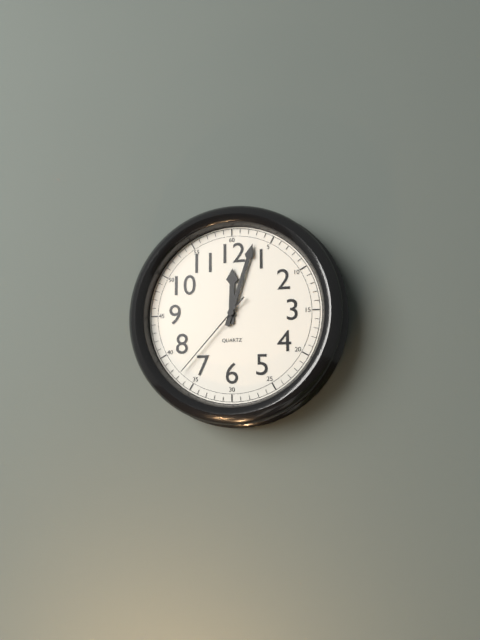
{"hour": 12, "minute": 3, "second": 37}
